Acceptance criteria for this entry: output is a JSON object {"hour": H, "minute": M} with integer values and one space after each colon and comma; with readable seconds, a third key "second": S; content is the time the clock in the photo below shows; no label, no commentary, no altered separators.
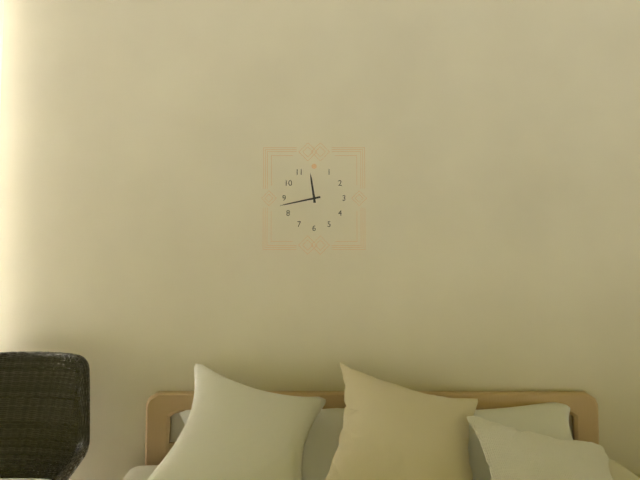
{"hour": 11, "minute": 43}
